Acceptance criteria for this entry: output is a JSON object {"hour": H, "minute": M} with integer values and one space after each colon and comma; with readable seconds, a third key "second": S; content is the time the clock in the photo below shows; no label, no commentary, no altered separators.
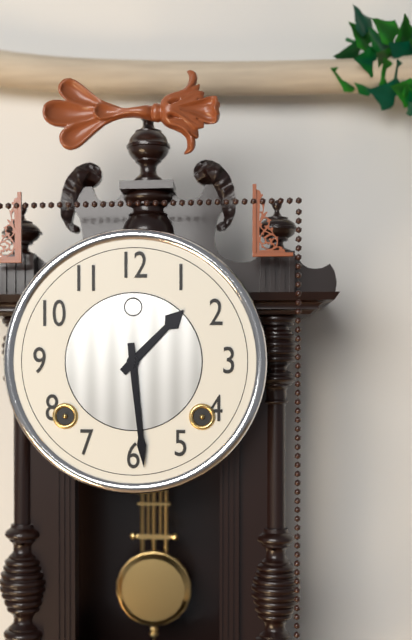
{"hour": 1, "minute": 29}
